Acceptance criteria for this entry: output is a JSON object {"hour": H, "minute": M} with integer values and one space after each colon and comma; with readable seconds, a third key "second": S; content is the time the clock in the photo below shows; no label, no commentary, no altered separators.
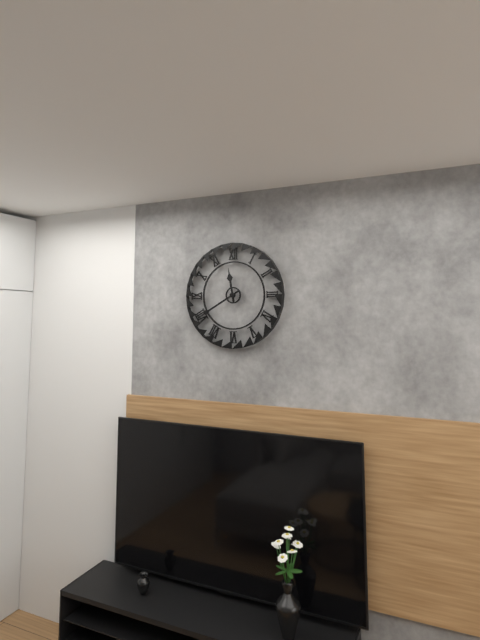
{"hour": 11, "minute": 40}
